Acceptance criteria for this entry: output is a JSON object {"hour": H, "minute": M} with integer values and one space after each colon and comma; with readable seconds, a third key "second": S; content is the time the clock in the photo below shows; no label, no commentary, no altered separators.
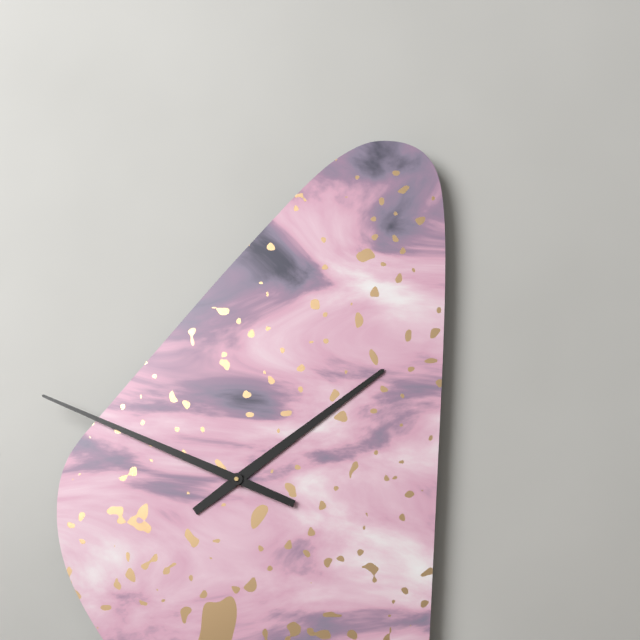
{"hour": 1, "minute": 49}
